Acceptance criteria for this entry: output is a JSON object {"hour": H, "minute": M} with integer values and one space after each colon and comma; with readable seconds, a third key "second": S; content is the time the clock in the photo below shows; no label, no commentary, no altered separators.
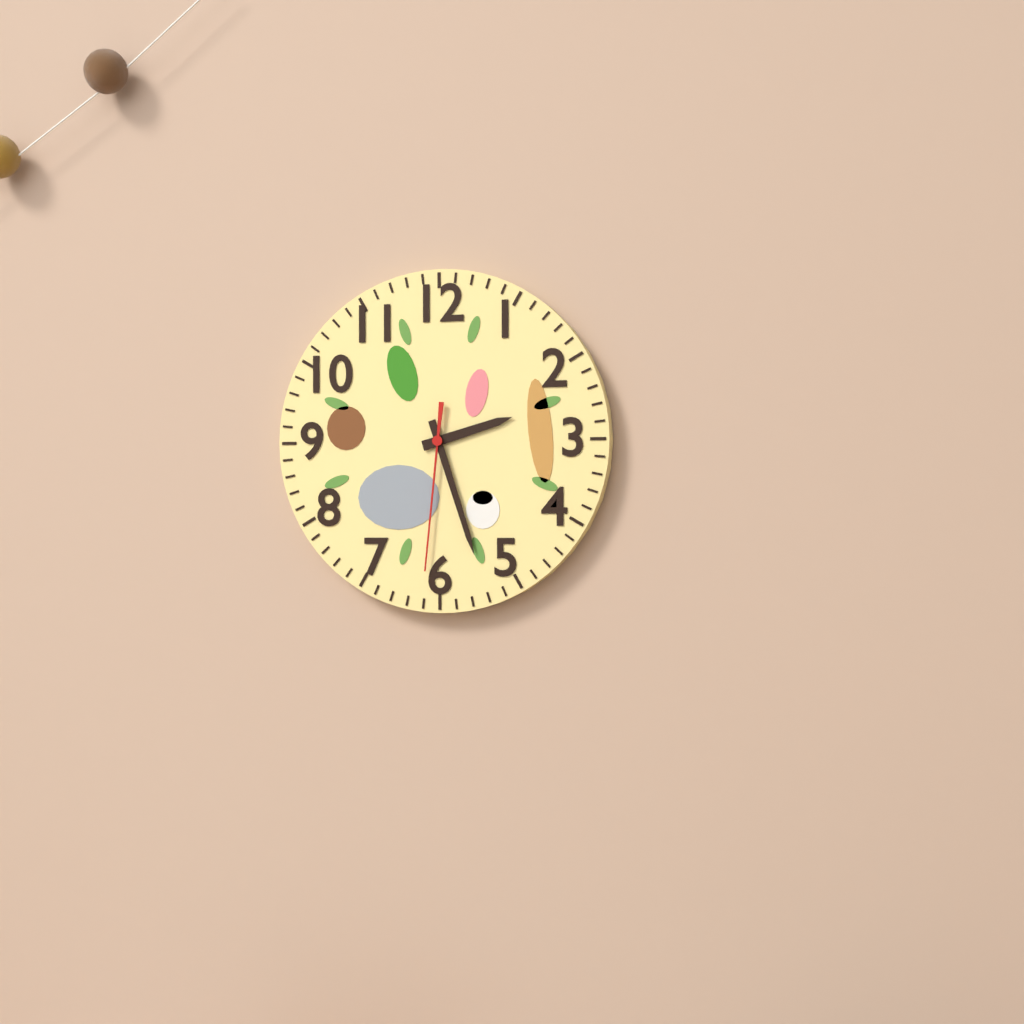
{"hour": 2, "minute": 27, "second": 31}
